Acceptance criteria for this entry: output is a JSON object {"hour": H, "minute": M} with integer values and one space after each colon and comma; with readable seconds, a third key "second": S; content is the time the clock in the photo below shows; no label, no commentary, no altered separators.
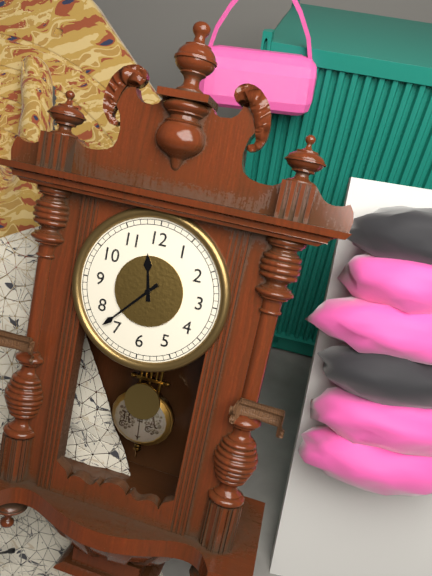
{"hour": 11, "minute": 37}
